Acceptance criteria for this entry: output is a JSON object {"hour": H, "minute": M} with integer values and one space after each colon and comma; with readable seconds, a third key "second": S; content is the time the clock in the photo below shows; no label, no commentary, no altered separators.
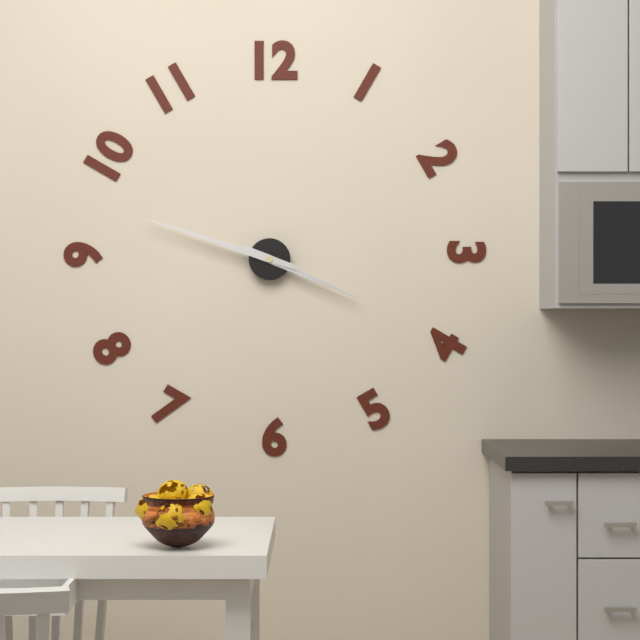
{"hour": 3, "minute": 48}
